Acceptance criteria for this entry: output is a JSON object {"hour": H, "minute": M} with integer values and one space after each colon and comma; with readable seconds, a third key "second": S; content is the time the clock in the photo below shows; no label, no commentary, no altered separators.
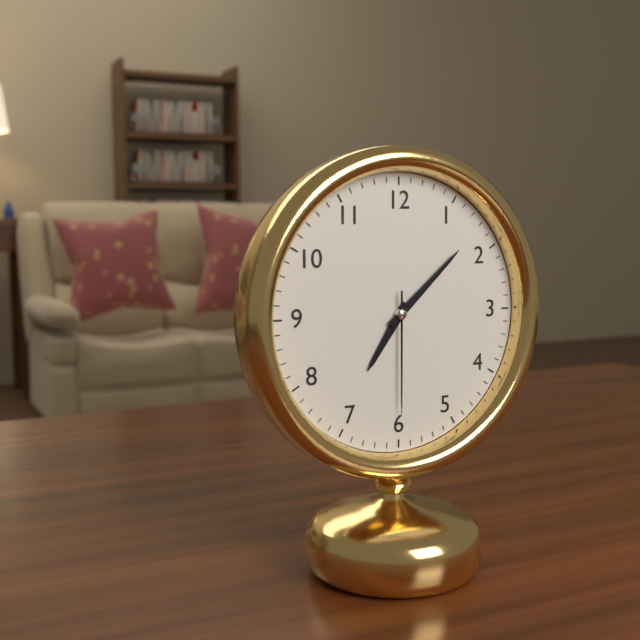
{"hour": 7, "minute": 8, "second": 30}
